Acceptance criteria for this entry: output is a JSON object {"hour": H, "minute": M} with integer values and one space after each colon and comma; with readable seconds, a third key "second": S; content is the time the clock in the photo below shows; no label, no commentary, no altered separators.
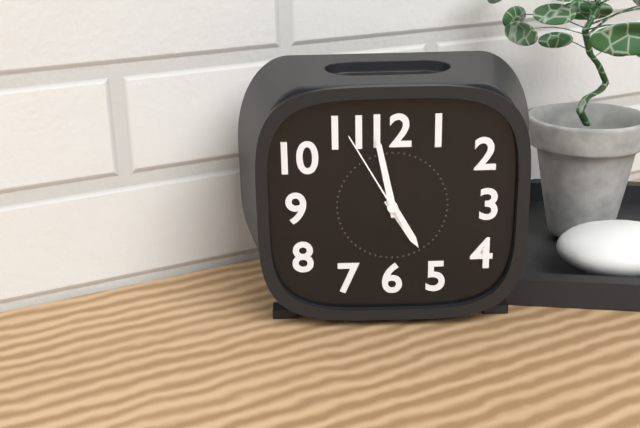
{"hour": 4, "minute": 58, "second": 55}
